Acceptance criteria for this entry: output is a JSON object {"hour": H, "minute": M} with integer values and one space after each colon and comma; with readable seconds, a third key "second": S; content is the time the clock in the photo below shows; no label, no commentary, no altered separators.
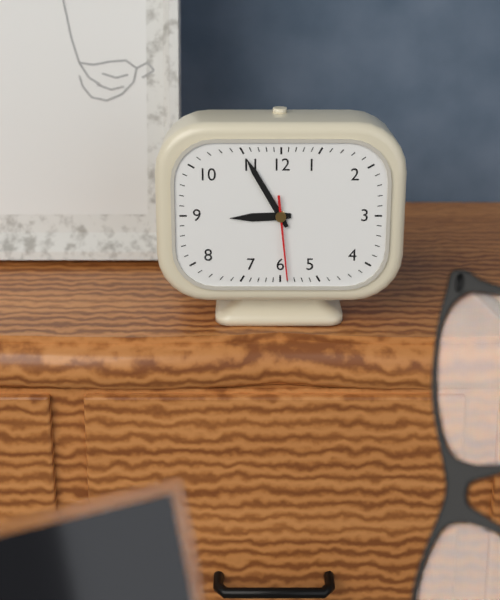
{"hour": 8, "minute": 55, "second": 29}
